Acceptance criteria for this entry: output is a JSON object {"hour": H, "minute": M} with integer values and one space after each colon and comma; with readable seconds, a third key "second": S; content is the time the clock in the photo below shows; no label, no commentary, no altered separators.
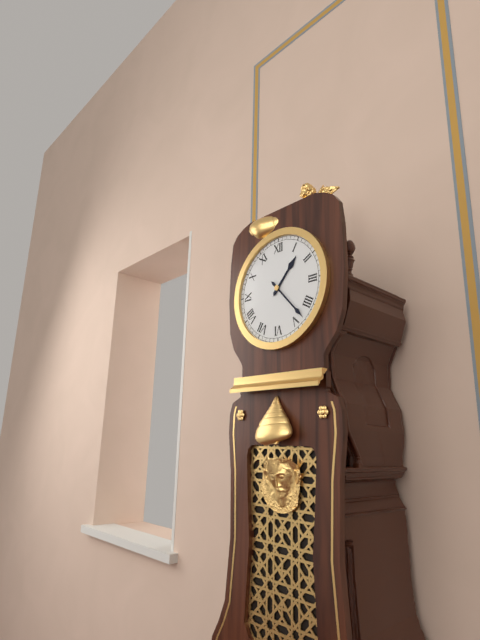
{"hour": 1, "minute": 23}
